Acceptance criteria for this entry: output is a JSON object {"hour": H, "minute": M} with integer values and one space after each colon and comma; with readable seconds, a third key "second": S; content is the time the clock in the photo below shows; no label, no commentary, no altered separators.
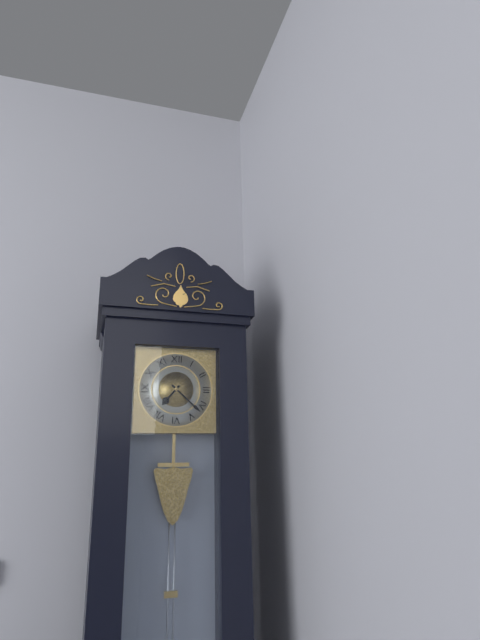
{"hour": 7, "minute": 22}
